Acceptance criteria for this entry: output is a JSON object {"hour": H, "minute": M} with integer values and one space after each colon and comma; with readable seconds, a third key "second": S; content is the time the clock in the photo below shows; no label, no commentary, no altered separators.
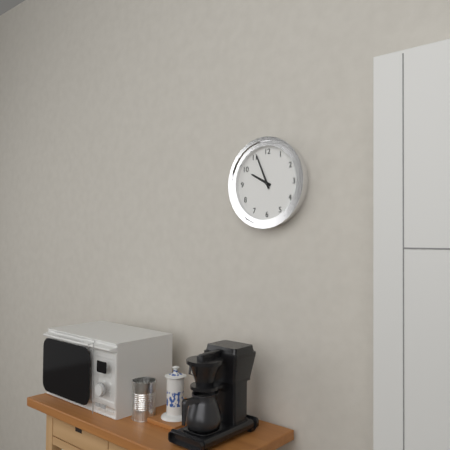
{"hour": 9, "minute": 56}
